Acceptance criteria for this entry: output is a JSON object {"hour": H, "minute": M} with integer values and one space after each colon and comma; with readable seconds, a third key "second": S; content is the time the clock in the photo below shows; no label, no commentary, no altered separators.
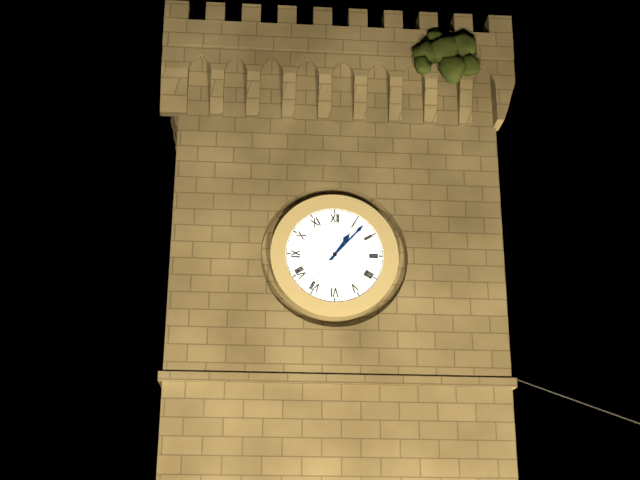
{"hour": 1, "minute": 7}
